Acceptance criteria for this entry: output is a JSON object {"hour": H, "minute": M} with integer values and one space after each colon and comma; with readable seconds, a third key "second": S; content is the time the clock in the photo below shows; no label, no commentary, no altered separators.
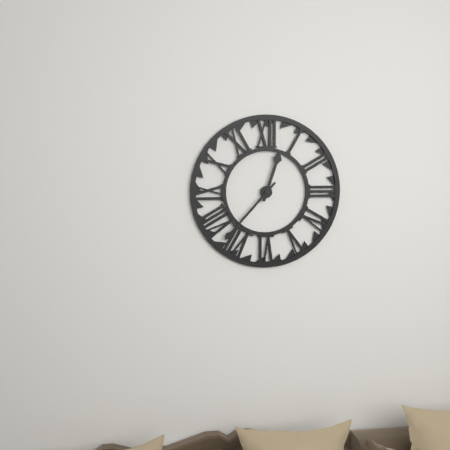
{"hour": 12, "minute": 37}
